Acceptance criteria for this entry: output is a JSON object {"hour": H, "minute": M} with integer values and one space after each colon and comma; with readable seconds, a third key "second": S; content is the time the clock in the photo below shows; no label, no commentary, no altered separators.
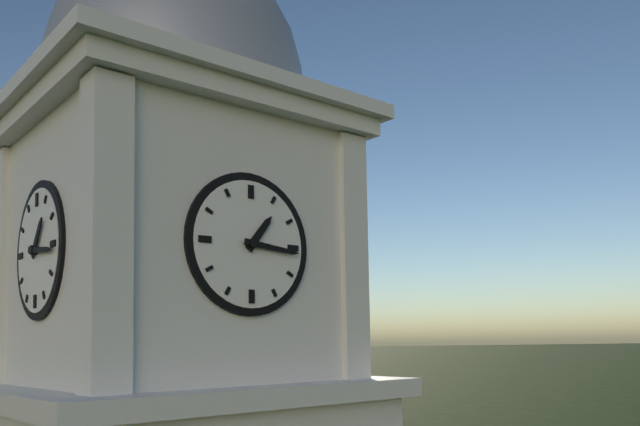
{"hour": 1, "minute": 16}
